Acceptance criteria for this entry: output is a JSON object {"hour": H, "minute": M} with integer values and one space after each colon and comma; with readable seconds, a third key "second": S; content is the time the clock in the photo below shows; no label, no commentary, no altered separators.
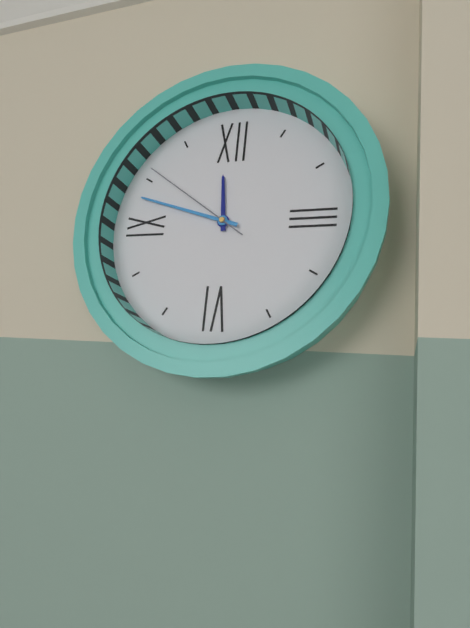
{"hour": 11, "minute": 48, "second": 51}
